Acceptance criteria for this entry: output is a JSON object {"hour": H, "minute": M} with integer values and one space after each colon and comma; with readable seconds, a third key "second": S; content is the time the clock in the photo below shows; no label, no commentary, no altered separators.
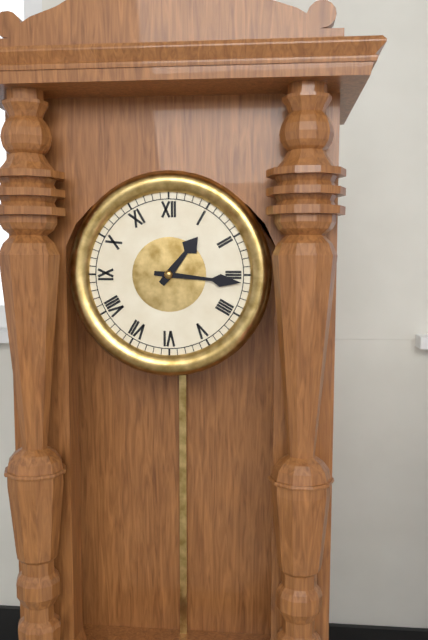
{"hour": 1, "minute": 16}
